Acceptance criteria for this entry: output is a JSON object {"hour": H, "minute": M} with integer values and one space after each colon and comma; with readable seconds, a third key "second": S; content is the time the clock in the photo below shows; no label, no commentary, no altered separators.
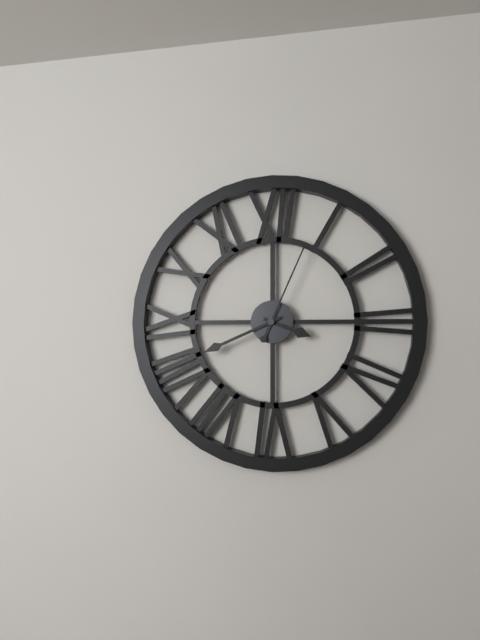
{"hour": 3, "minute": 41, "second": 4}
